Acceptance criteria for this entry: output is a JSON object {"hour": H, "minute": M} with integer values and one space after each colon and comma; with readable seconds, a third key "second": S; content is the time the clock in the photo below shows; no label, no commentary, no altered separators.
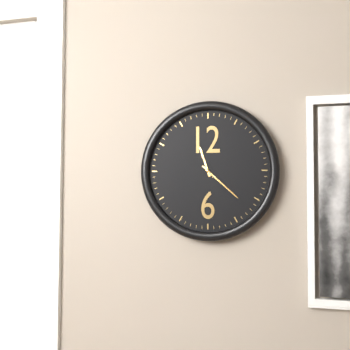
{"hour": 11, "minute": 22}
